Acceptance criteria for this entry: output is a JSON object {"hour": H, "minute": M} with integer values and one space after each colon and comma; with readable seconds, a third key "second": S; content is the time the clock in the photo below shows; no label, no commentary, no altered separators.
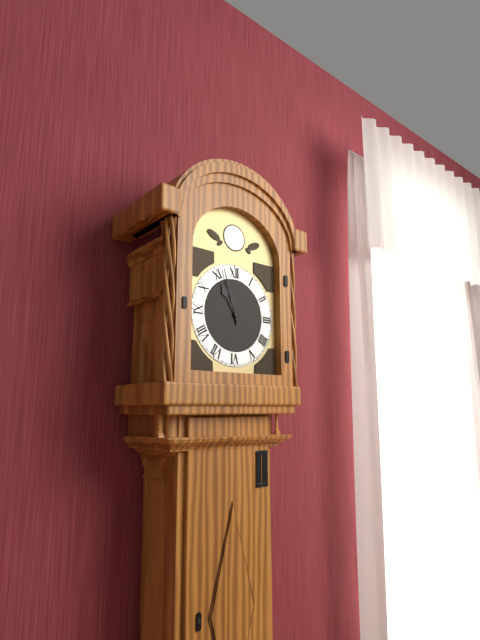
{"hour": 10, "minute": 57}
